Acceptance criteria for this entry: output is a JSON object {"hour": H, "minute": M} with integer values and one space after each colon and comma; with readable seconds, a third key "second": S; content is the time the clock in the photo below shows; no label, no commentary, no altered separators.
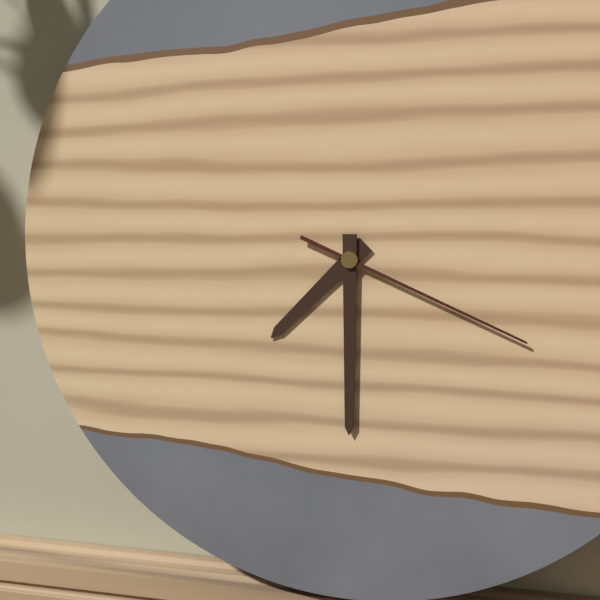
{"hour": 7, "minute": 30, "second": 19}
